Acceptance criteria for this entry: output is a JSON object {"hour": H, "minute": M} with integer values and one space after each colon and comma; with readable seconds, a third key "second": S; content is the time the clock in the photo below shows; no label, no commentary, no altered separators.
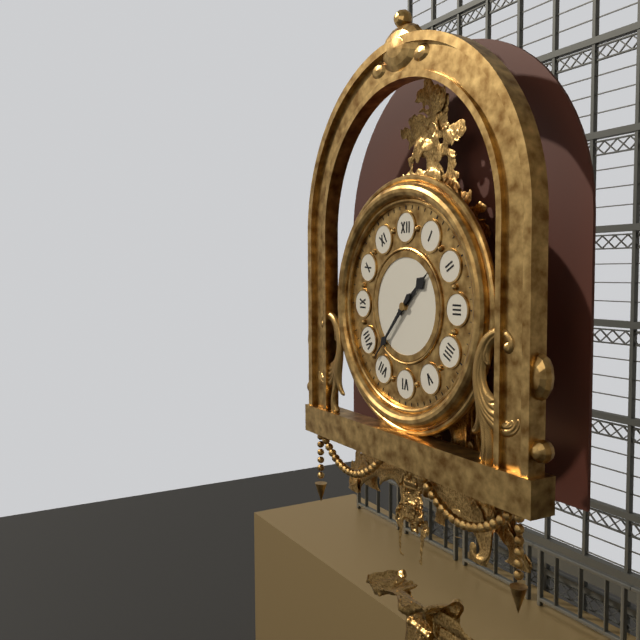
{"hour": 1, "minute": 37}
